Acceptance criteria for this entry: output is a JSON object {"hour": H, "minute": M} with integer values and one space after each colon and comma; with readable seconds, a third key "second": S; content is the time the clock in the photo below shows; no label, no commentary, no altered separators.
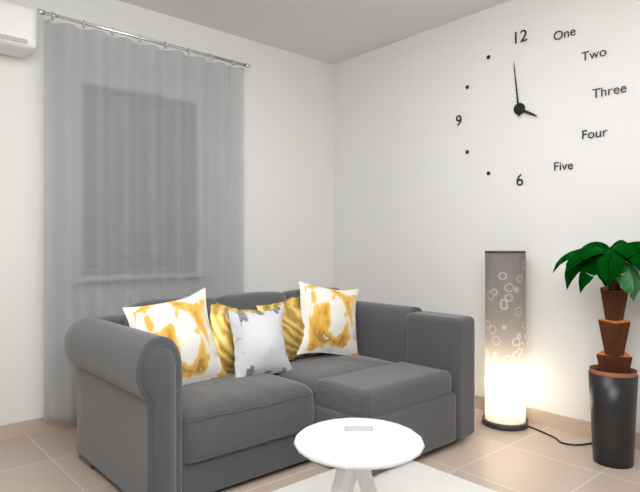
{"hour": 3, "minute": 59}
